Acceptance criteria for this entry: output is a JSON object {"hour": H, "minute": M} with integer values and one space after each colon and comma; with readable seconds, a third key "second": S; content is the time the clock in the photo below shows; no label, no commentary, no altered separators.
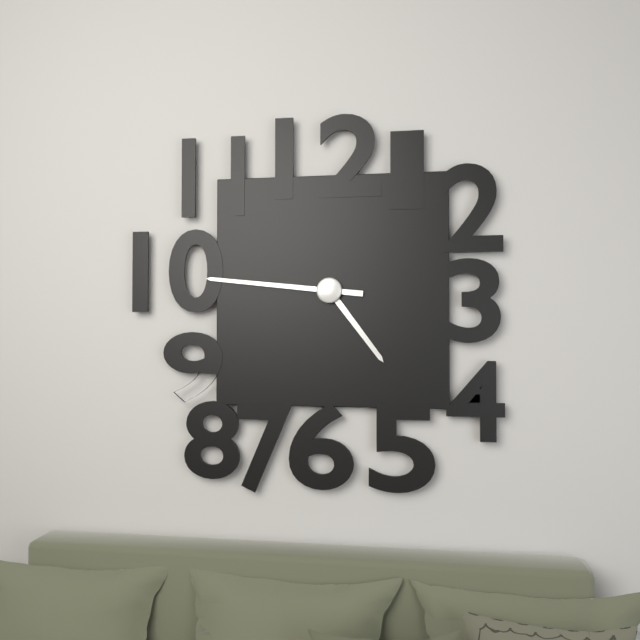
{"hour": 4, "minute": 46}
